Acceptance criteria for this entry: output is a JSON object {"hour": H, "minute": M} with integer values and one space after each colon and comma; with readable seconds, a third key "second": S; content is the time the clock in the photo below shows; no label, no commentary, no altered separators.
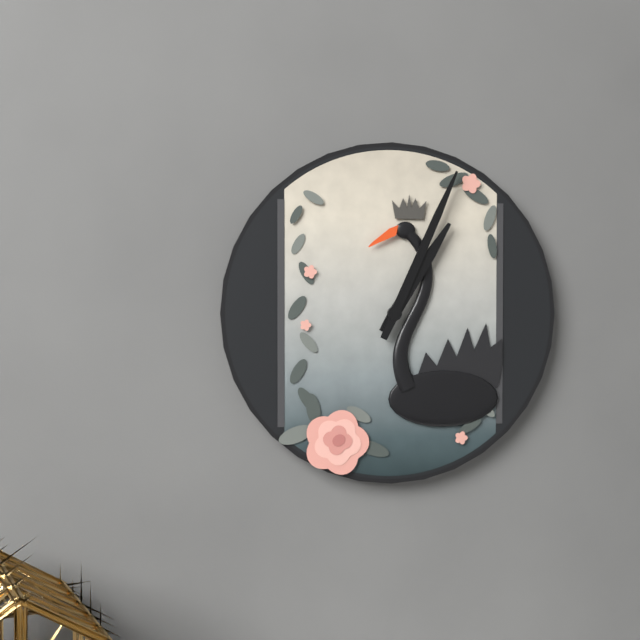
{"hour": 1, "minute": 4}
